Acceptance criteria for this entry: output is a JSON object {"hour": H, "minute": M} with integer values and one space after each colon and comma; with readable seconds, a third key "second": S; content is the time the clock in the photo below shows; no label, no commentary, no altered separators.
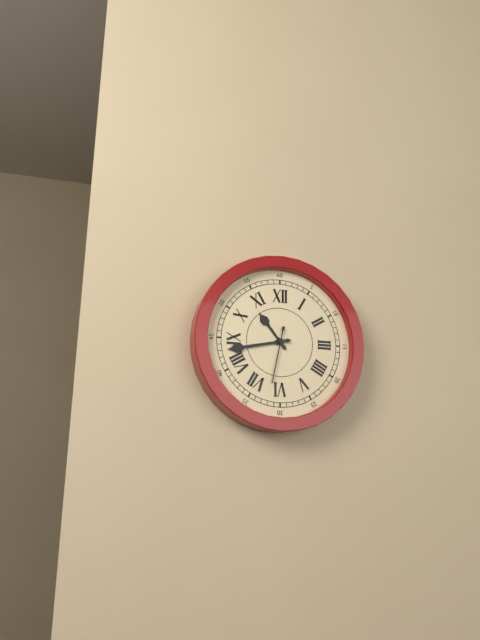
{"hour": 10, "minute": 43, "second": 32}
